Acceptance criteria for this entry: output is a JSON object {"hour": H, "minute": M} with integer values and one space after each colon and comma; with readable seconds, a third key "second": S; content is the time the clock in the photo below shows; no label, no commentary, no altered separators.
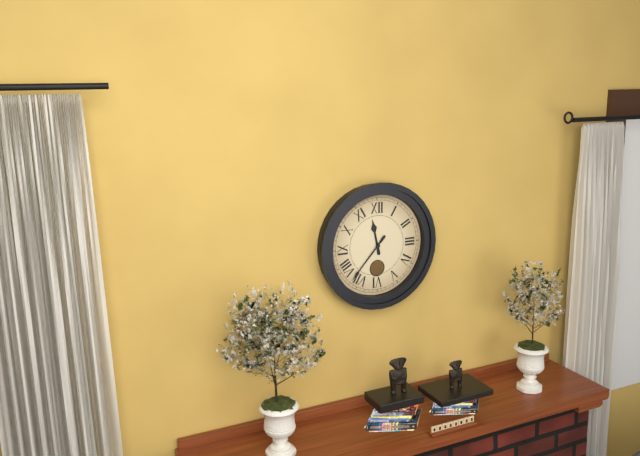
{"hour": 11, "minute": 37}
